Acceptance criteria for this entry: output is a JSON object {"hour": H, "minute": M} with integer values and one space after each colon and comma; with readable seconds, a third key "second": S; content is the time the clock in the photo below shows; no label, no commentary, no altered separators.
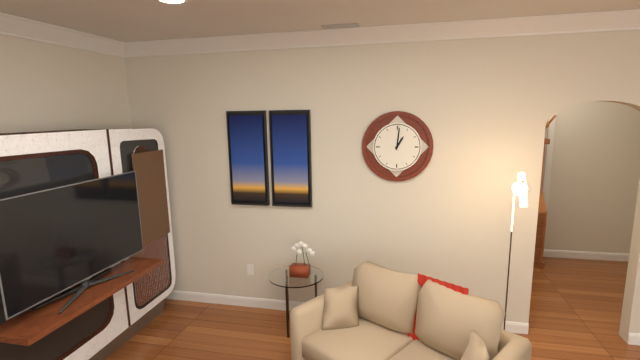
{"hour": 1, "minute": 1}
